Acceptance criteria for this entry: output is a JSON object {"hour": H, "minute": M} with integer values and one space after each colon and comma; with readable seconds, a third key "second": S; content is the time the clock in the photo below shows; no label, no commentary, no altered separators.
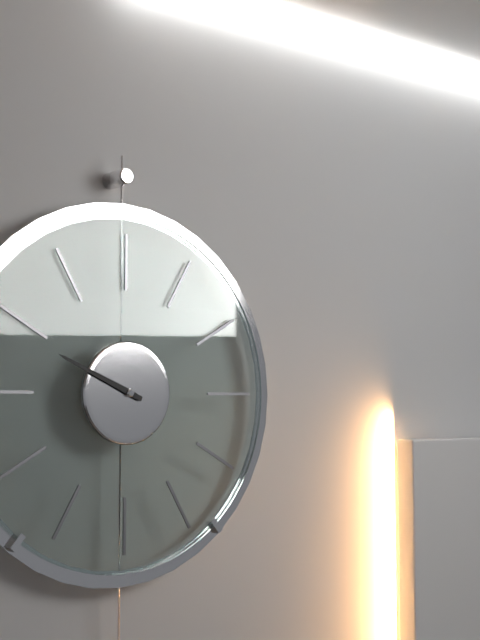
{"hour": 9, "minute": 49}
